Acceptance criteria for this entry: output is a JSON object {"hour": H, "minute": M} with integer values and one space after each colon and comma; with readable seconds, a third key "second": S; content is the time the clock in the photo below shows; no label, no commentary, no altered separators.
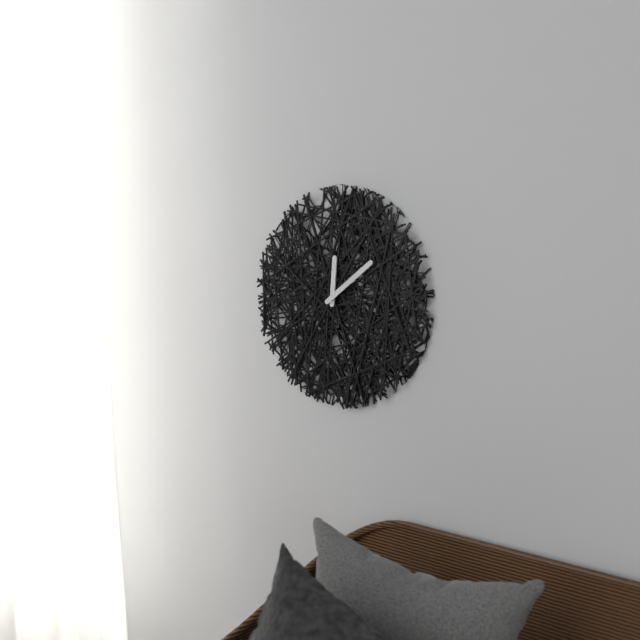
{"hour": 12, "minute": 9}
